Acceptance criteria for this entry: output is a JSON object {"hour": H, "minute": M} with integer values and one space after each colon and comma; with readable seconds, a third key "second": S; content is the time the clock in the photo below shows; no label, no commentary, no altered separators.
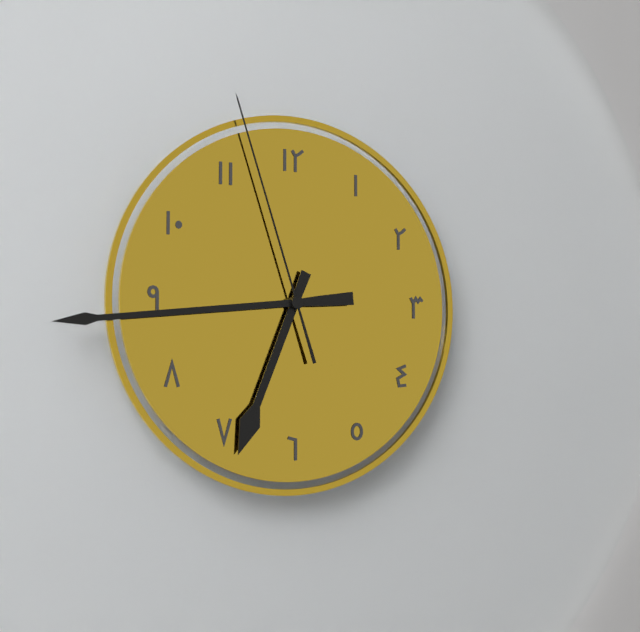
{"hour": 6, "minute": 44, "second": 57}
